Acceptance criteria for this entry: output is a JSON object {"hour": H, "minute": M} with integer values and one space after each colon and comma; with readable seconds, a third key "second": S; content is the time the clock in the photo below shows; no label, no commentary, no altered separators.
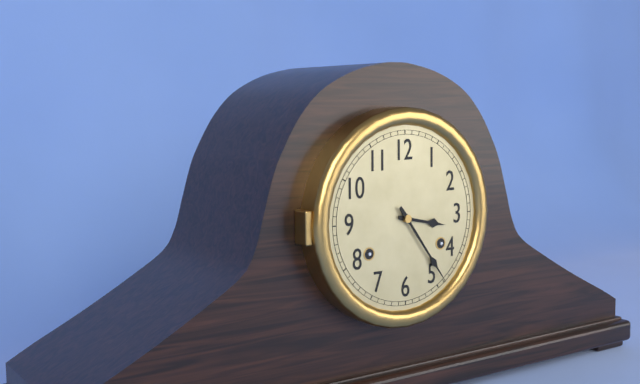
{"hour": 3, "minute": 24}
